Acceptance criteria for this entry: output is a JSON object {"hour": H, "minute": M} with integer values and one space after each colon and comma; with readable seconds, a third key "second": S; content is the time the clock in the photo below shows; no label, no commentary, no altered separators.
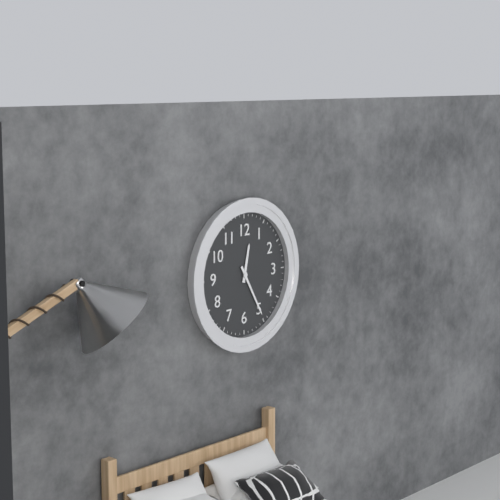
{"hour": 12, "minute": 25}
